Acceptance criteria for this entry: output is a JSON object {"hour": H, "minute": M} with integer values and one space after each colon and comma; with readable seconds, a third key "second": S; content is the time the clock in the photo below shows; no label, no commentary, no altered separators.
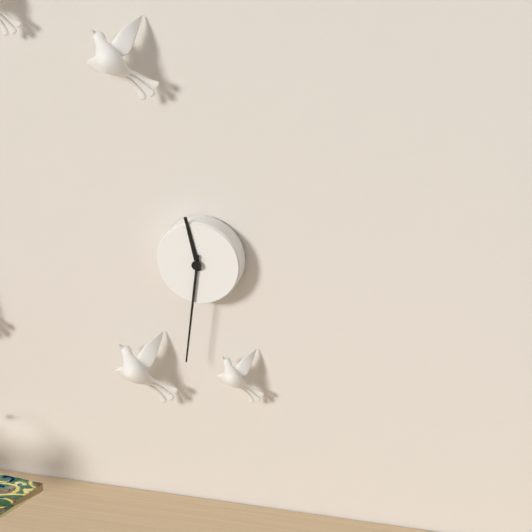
{"hour": 11, "minute": 31}
